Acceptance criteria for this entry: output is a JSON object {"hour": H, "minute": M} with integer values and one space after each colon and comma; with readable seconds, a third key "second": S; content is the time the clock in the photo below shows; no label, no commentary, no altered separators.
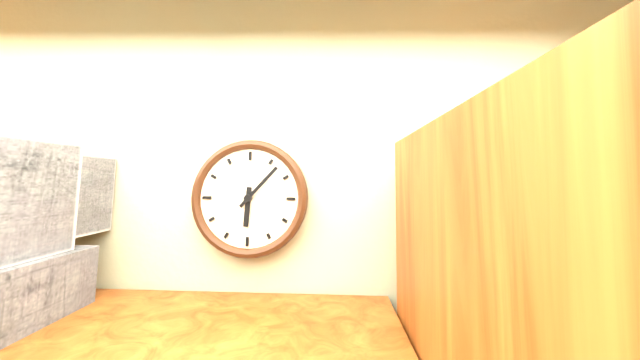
{"hour": 6, "minute": 7}
